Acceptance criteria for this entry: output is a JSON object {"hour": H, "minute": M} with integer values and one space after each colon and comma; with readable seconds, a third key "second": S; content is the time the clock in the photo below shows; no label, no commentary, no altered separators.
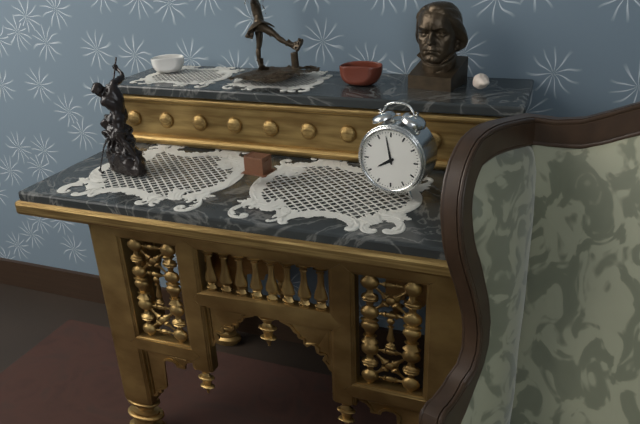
{"hour": 7, "minute": 58}
